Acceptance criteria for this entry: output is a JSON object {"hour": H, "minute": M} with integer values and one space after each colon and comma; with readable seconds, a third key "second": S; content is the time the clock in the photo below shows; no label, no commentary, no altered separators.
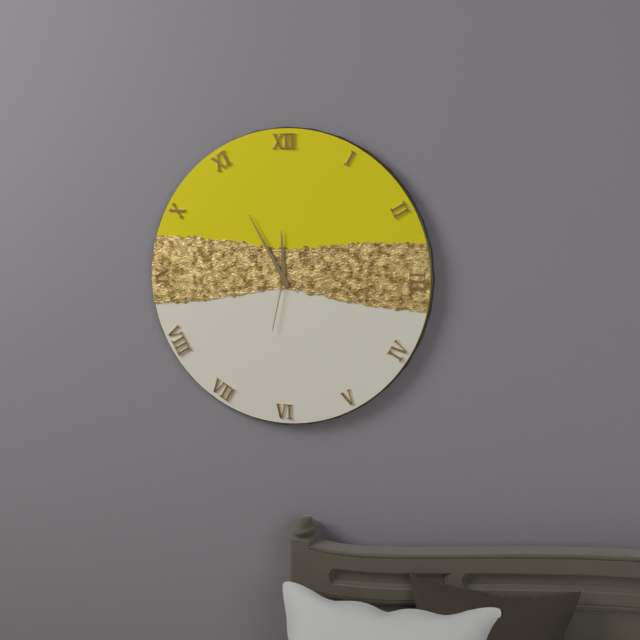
{"hour": 11, "minute": 55, "second": 32}
